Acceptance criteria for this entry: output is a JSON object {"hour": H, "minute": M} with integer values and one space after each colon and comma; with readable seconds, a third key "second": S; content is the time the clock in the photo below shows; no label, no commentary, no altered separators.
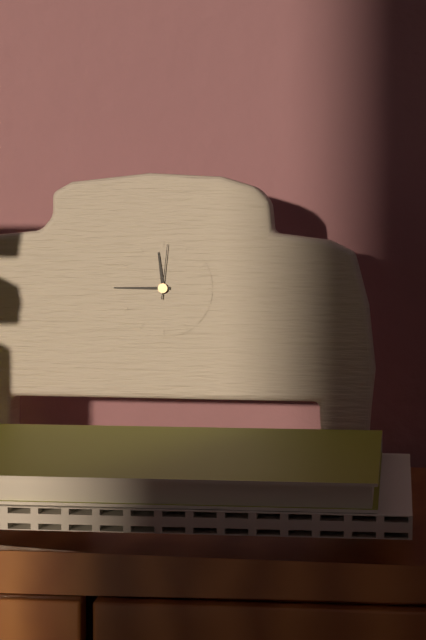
{"hour": 11, "minute": 45, "second": 1}
